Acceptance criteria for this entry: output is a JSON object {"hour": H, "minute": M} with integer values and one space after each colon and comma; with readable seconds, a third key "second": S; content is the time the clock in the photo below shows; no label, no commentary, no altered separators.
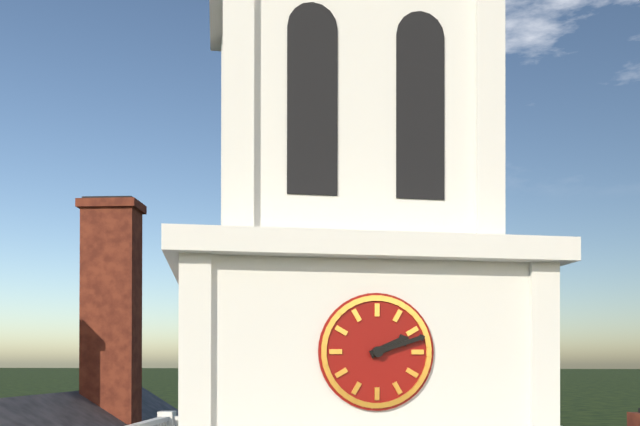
{"hour": 2, "minute": 12}
